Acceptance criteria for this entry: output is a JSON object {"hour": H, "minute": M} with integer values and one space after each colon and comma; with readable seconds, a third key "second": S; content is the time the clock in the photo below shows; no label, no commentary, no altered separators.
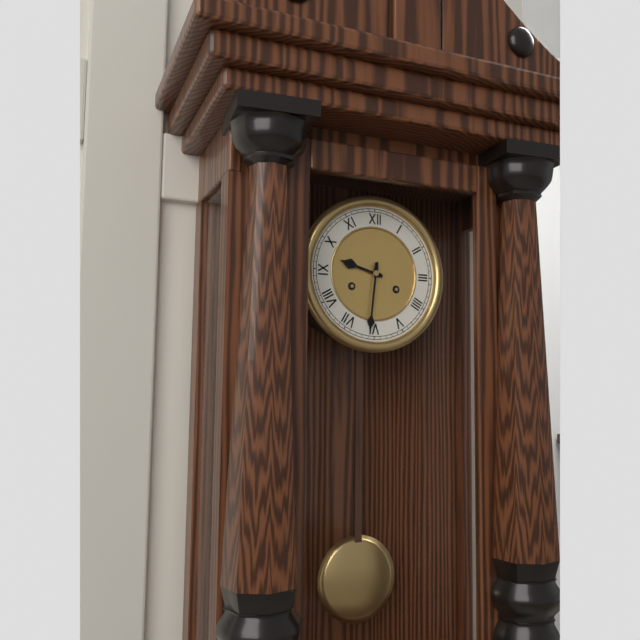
{"hour": 9, "minute": 31}
